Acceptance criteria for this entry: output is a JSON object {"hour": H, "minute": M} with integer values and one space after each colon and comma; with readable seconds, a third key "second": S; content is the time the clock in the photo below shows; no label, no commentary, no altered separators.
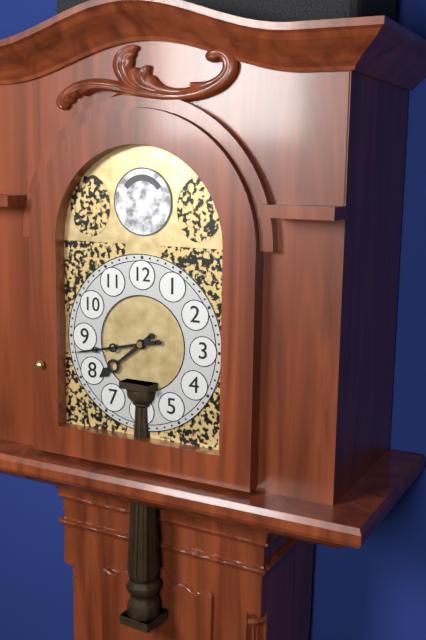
{"hour": 7, "minute": 43}
